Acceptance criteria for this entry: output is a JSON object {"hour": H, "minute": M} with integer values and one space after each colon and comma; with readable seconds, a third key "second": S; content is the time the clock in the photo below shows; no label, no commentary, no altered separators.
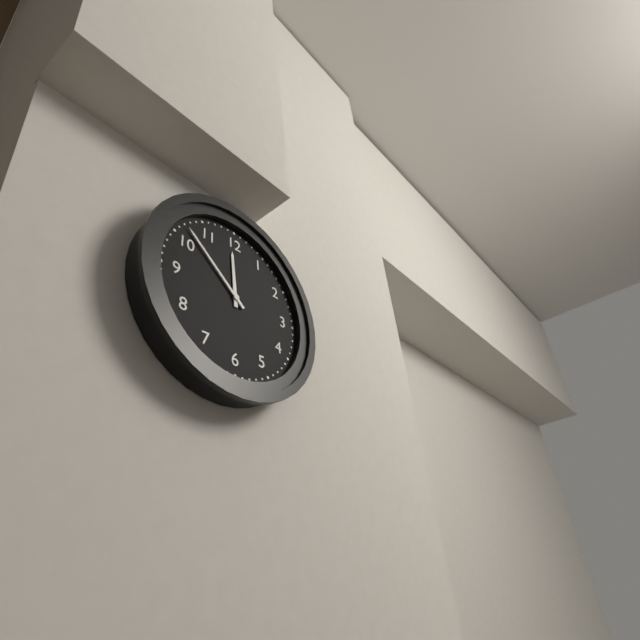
{"hour": 11, "minute": 52}
